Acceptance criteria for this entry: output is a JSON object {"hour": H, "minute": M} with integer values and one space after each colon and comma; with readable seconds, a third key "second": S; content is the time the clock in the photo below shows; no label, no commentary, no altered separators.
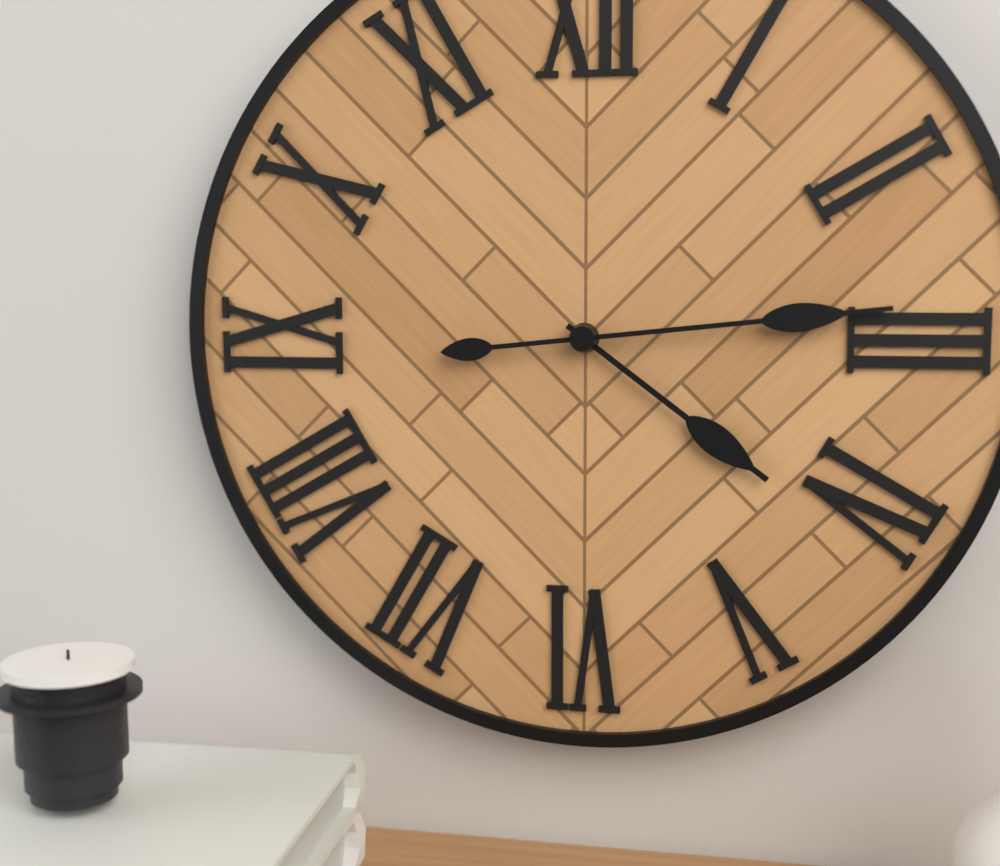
{"hour": 4, "minute": 14}
